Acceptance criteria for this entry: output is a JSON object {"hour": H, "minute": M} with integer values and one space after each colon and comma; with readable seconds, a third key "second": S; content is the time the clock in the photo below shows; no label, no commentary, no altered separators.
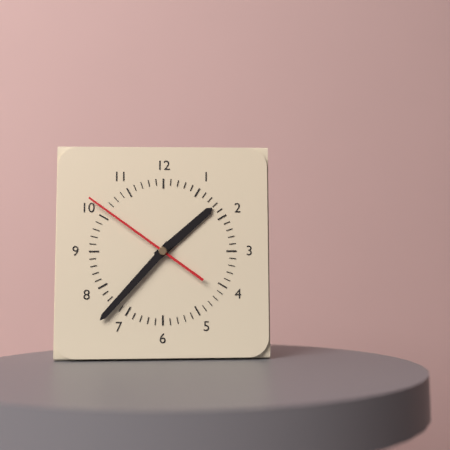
{"hour": 1, "minute": 37, "second": 51}
